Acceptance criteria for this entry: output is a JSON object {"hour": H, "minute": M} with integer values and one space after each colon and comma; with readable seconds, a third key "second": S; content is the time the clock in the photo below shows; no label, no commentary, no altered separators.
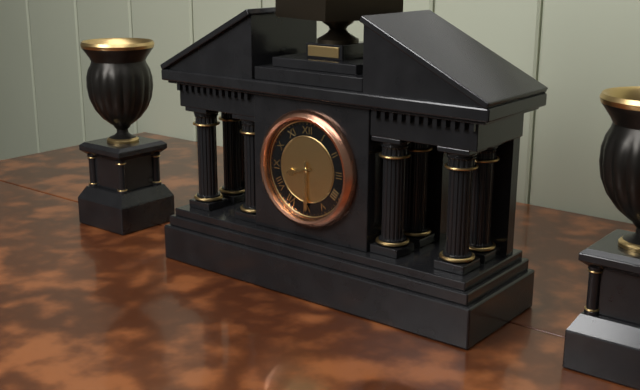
{"hour": 8, "minute": 30}
